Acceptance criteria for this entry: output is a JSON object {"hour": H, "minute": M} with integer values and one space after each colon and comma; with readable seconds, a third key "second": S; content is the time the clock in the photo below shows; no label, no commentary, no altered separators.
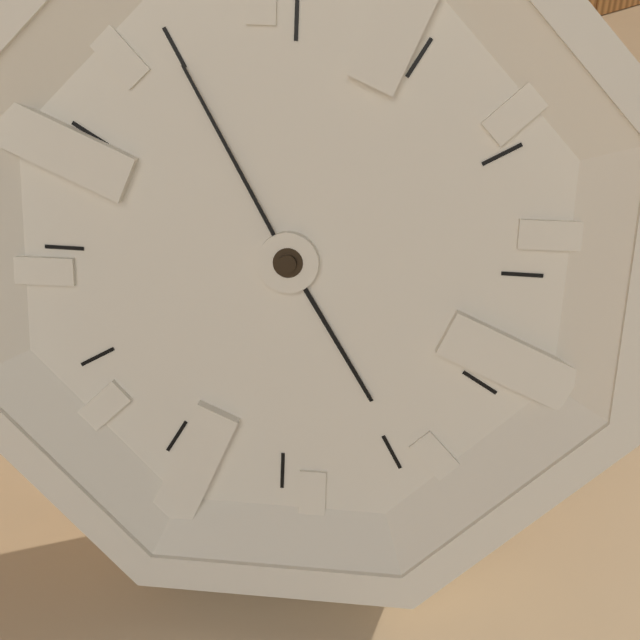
{"hour": 4, "minute": 55}
